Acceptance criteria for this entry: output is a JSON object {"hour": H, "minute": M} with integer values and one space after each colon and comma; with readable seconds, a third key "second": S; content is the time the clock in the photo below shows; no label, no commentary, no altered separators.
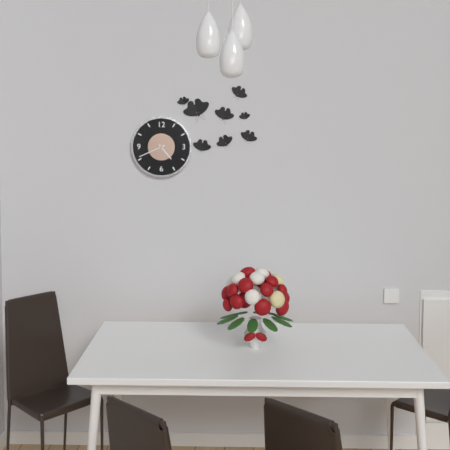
{"hour": 4, "minute": 41}
